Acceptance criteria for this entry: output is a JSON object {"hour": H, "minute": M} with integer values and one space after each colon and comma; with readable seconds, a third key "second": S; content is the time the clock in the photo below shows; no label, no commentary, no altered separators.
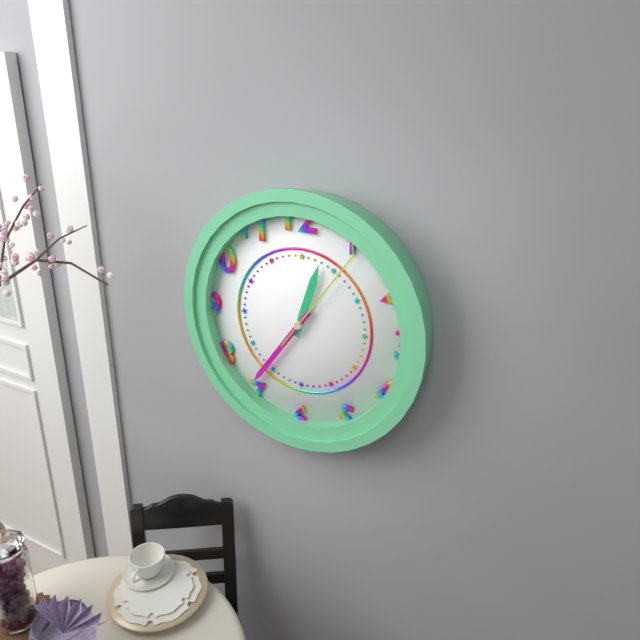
{"hour": 12, "minute": 36, "second": 6}
